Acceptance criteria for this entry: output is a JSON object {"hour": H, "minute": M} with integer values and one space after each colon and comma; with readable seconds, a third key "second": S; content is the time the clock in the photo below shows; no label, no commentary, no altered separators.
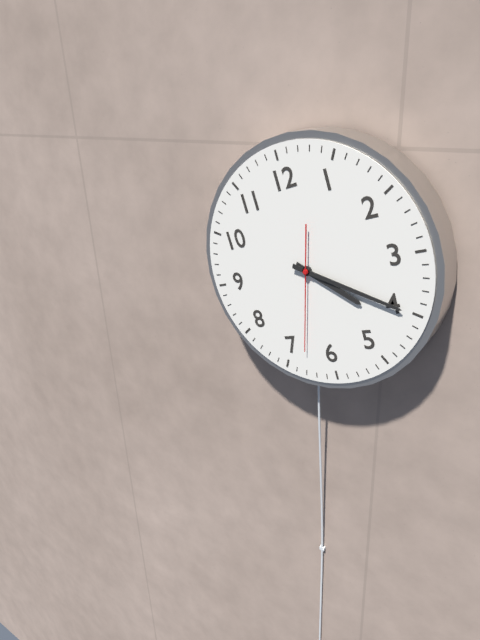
{"hour": 4, "minute": 20, "second": 33}
